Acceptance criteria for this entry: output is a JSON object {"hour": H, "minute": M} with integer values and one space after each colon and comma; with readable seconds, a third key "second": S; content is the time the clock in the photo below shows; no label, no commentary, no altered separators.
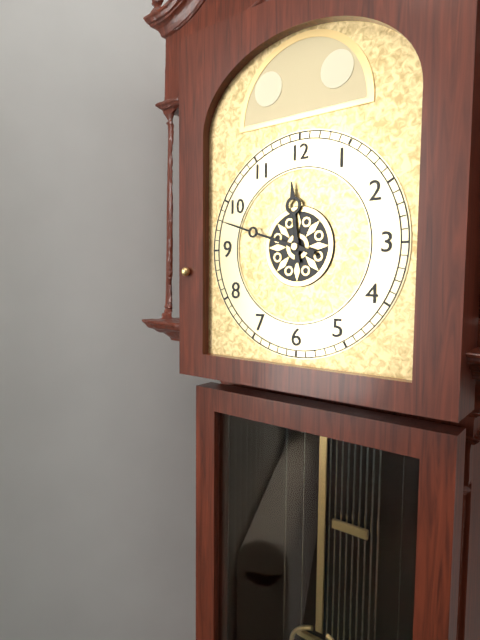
{"hour": 11, "minute": 48}
